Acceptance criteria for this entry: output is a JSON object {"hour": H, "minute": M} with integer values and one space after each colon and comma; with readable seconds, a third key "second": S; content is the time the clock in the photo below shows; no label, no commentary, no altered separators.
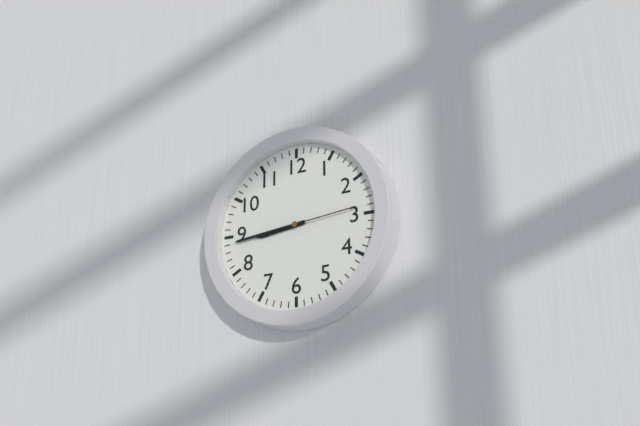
{"hour": 8, "minute": 44, "second": 14}
